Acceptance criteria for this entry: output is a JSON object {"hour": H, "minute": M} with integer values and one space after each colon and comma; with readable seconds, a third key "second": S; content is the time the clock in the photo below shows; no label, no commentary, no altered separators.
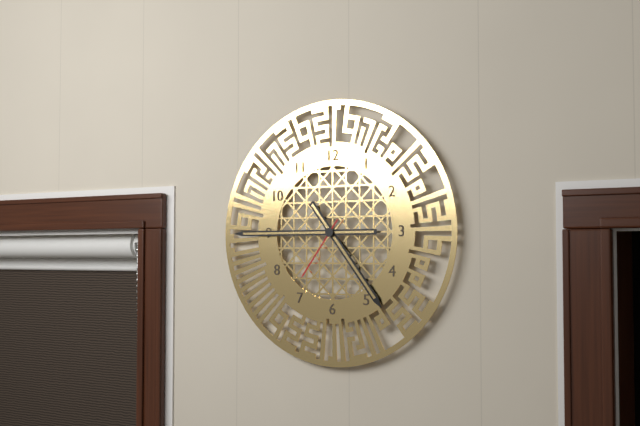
{"hour": 4, "minute": 45, "second": 36}
